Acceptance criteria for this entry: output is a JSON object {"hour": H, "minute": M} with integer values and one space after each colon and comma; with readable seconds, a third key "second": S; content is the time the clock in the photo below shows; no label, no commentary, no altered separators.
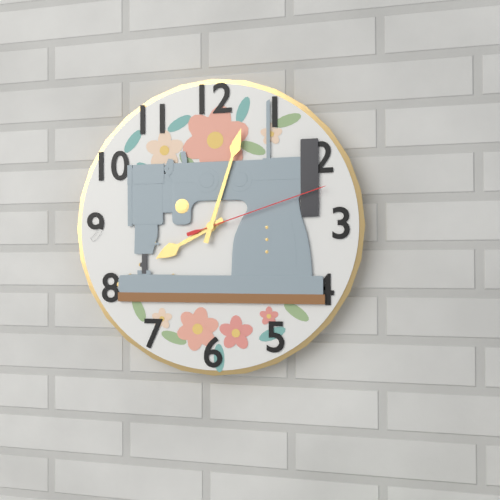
{"hour": 8, "minute": 3, "second": 12}
